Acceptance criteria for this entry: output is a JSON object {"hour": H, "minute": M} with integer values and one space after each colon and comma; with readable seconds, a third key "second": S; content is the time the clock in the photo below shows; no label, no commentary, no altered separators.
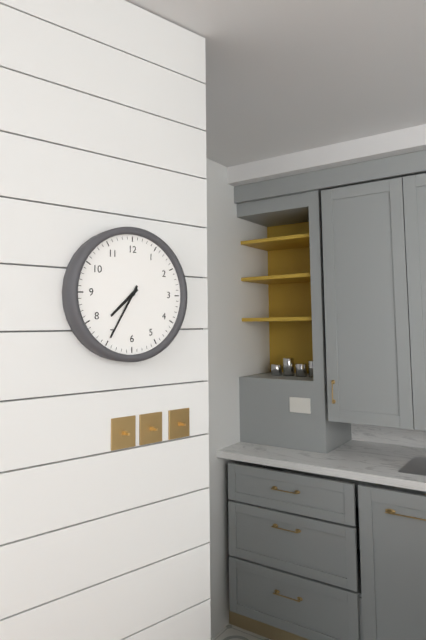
{"hour": 7, "minute": 35}
